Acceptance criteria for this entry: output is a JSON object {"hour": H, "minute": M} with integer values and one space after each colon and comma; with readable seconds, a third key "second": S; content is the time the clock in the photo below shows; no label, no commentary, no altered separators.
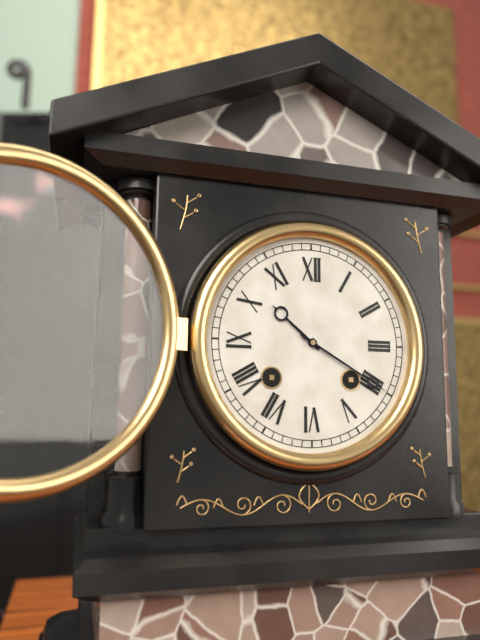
{"hour": 10, "minute": 20}
